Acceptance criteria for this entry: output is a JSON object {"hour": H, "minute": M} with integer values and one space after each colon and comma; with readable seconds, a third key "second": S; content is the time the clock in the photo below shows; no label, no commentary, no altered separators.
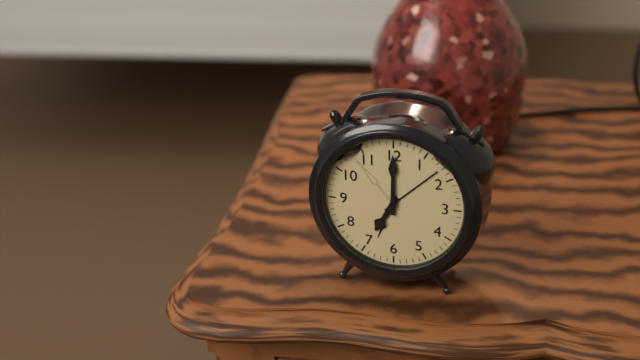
{"hour": 7, "minute": 0}
